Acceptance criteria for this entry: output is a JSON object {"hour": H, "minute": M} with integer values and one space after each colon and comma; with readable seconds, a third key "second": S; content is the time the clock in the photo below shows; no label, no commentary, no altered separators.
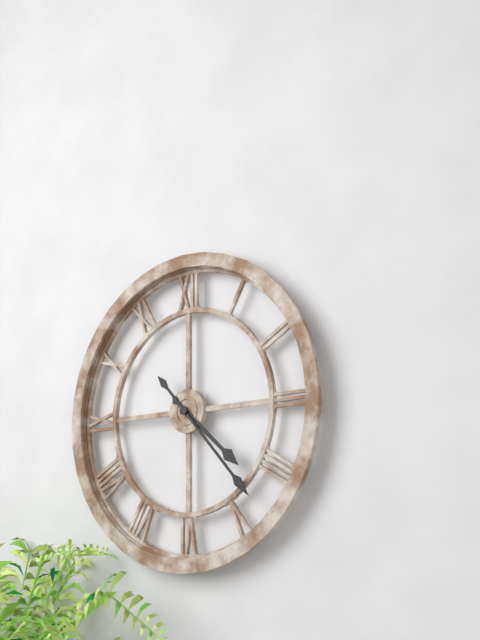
{"hour": 4, "minute": 23}
